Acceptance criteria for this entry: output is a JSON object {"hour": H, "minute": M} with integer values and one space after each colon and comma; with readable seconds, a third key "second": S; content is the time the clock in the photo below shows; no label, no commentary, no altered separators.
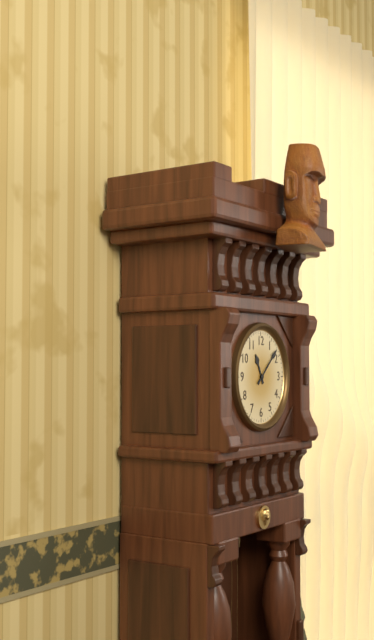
{"hour": 11, "minute": 8}
